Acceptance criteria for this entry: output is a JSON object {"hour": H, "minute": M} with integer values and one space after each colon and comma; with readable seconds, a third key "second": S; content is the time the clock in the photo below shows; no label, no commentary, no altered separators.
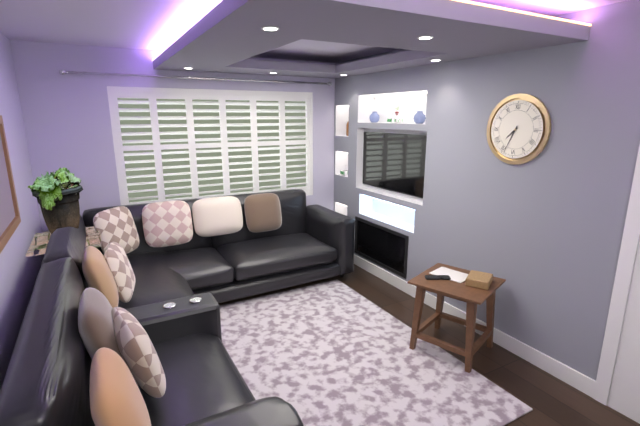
{"hour": 7, "minute": 34}
